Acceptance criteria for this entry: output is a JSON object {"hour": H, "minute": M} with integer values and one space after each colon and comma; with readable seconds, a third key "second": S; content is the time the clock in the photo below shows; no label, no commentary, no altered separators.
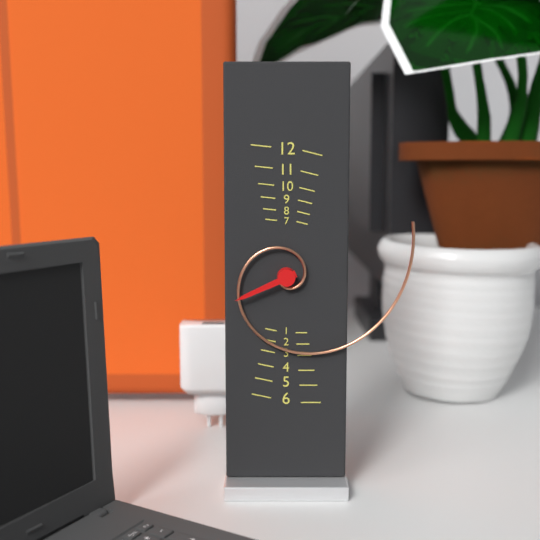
{"hour": 8, "minute": 11}
